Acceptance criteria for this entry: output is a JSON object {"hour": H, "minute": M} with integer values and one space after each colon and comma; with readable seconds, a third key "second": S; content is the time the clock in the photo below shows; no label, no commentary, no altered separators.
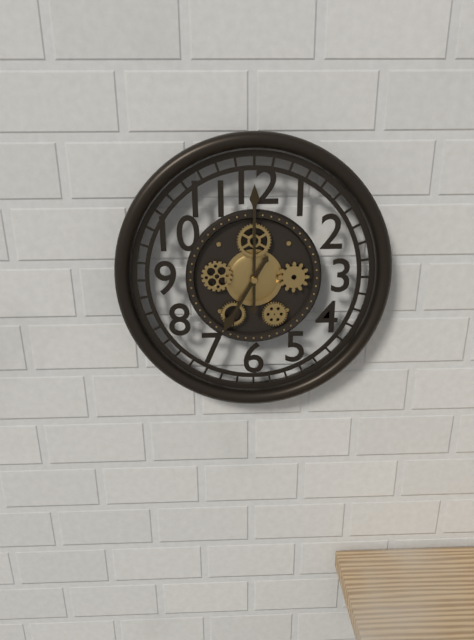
{"hour": 7, "minute": 0}
